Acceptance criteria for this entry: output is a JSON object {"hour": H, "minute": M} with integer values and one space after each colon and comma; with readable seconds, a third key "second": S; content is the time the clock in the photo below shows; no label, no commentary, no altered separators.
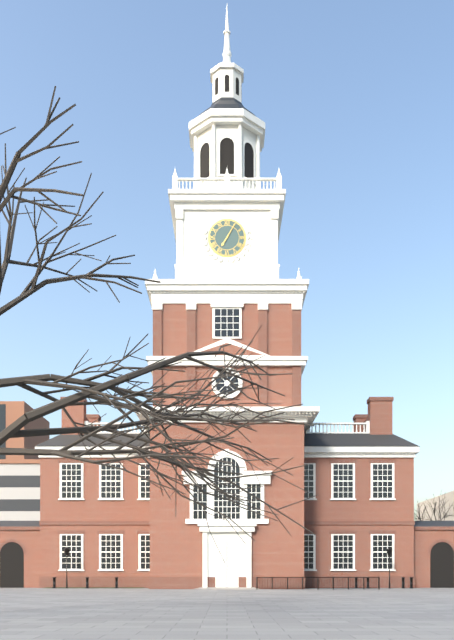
{"hour": 7, "minute": 5}
